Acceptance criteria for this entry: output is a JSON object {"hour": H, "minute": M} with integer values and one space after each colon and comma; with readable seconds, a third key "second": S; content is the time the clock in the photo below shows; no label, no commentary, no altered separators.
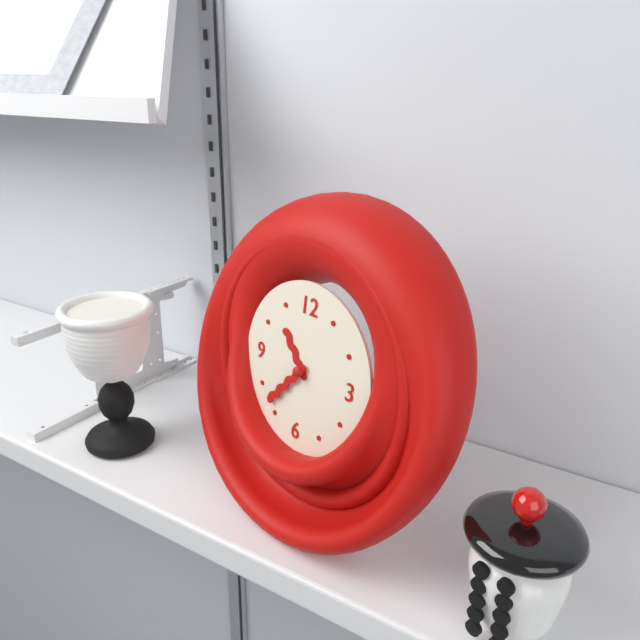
{"hour": 10, "minute": 37}
